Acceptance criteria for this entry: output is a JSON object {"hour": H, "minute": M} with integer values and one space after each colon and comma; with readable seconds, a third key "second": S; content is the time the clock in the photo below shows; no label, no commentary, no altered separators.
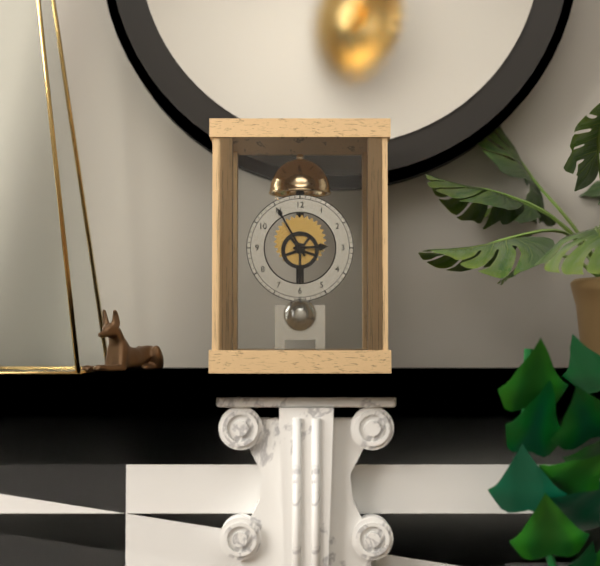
{"hour": 2, "minute": 55}
